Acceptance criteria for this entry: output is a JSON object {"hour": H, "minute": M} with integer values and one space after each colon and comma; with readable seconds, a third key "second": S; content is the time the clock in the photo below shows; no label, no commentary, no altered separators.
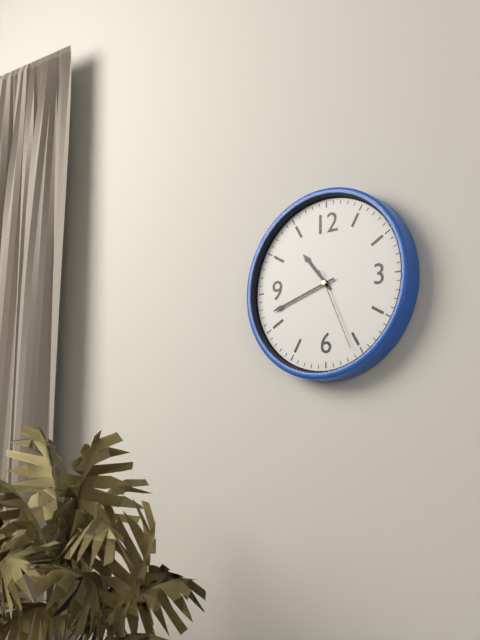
{"hour": 10, "minute": 42, "second": 26}
